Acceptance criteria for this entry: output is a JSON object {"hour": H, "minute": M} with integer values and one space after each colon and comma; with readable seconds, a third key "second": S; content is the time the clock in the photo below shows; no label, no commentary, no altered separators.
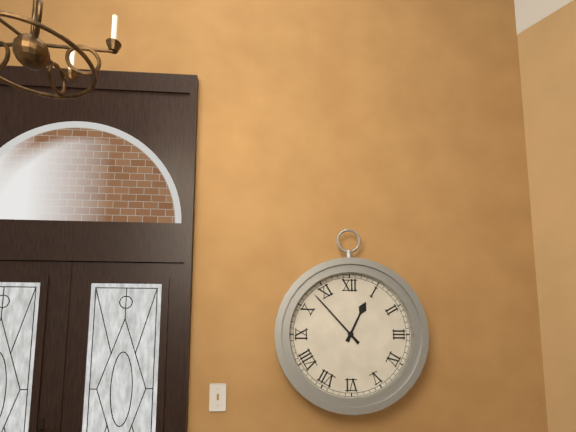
{"hour": 12, "minute": 53}
